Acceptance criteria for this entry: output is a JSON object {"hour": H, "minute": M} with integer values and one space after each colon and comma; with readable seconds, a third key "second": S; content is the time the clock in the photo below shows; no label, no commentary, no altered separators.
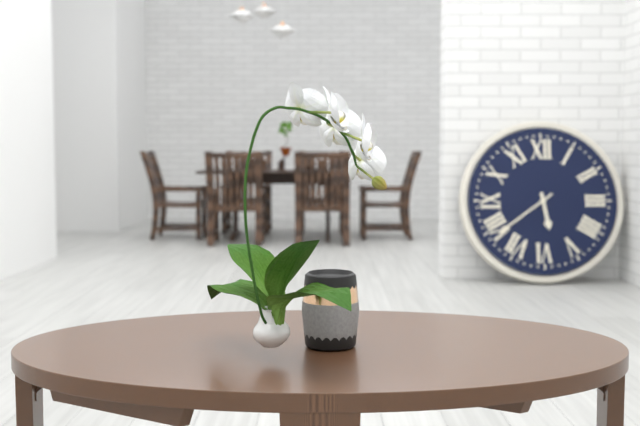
{"hour": 5, "minute": 39}
